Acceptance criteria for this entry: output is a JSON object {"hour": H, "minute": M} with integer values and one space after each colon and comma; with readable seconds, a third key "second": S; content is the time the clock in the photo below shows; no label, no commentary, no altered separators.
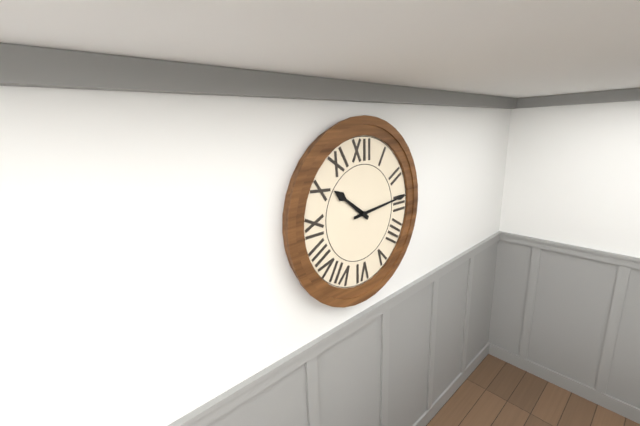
{"hour": 10, "minute": 14}
